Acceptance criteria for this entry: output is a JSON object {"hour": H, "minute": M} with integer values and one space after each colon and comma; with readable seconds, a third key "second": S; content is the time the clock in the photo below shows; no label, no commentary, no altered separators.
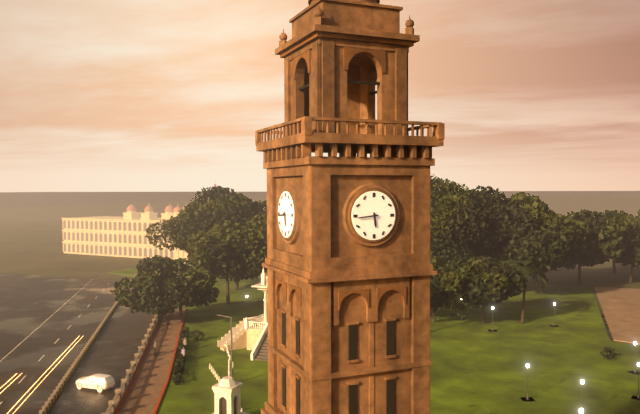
{"hour": 5, "minute": 44}
